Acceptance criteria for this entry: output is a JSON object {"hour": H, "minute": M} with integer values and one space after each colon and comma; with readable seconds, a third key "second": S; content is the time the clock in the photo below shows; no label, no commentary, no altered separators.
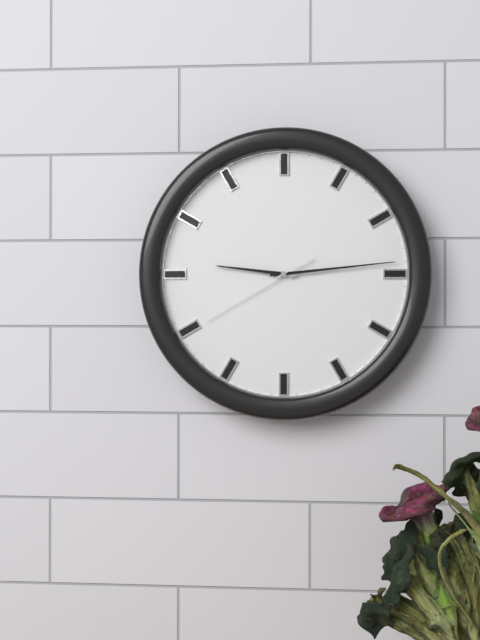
{"hour": 9, "minute": 14, "second": 40}
